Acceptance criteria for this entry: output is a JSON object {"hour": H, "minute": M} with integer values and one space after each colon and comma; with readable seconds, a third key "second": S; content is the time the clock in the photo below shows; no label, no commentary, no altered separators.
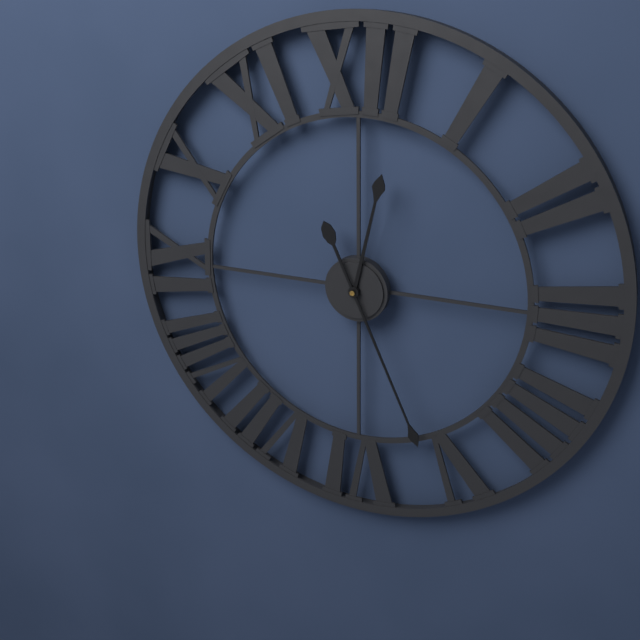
{"hour": 12, "minute": 26}
